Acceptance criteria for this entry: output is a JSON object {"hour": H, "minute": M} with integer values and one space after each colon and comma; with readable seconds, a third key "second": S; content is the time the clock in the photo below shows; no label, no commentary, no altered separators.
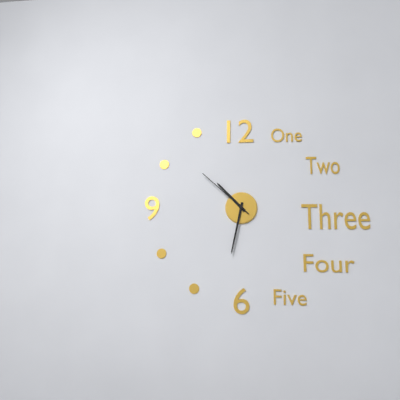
{"hour": 10, "minute": 32, "second": 52}
